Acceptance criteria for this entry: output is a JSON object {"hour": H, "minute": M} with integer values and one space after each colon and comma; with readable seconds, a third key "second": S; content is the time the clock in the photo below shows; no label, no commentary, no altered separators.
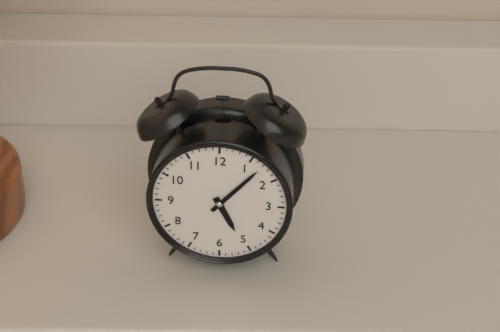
{"hour": 5, "minute": 7}
